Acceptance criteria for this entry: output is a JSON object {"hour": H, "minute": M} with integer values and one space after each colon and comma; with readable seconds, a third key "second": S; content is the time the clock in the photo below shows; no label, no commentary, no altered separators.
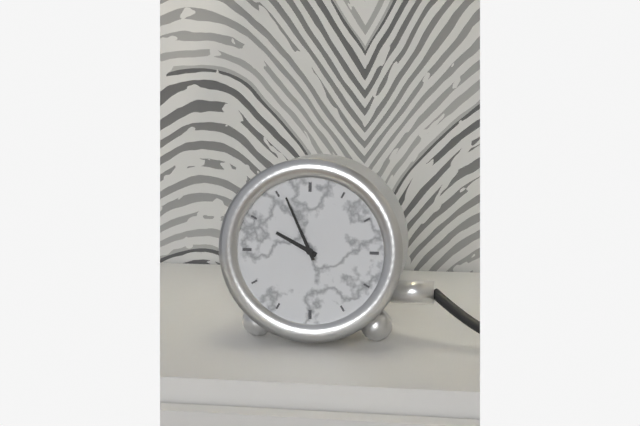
{"hour": 9, "minute": 56}
